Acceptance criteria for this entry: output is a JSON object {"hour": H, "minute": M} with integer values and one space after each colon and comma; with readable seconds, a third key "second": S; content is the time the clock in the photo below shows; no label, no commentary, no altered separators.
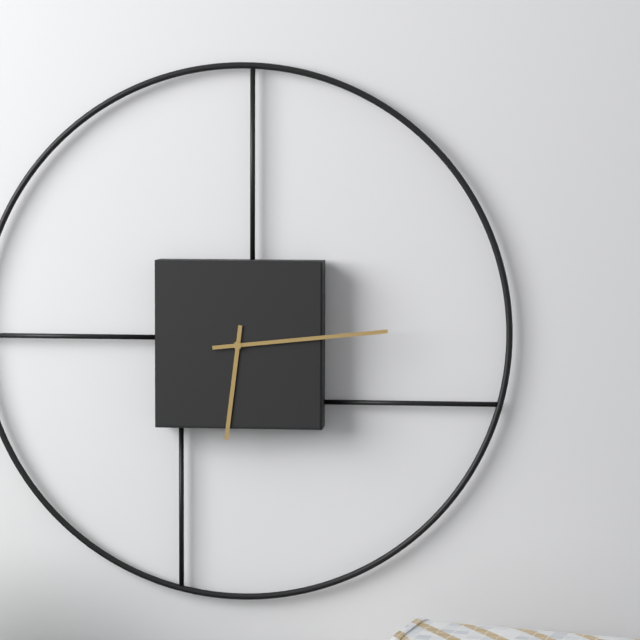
{"hour": 6, "minute": 14}
